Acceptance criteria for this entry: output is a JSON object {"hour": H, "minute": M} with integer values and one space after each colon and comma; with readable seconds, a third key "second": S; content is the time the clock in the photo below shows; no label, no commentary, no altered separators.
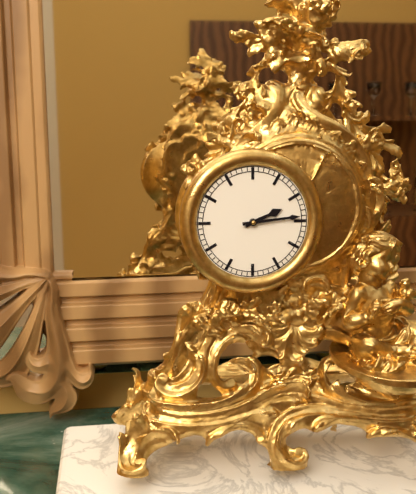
{"hour": 2, "minute": 14}
